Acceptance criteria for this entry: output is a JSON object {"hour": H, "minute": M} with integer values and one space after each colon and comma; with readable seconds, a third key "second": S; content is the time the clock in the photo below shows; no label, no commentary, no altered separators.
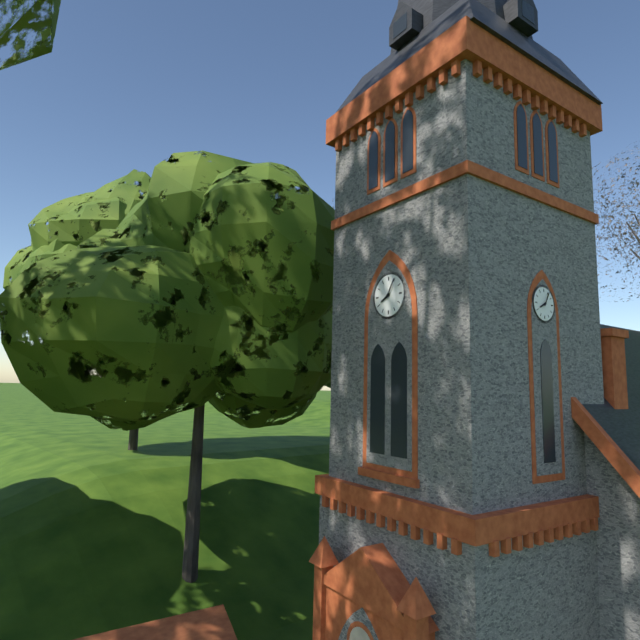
{"hour": 8, "minute": 5}
